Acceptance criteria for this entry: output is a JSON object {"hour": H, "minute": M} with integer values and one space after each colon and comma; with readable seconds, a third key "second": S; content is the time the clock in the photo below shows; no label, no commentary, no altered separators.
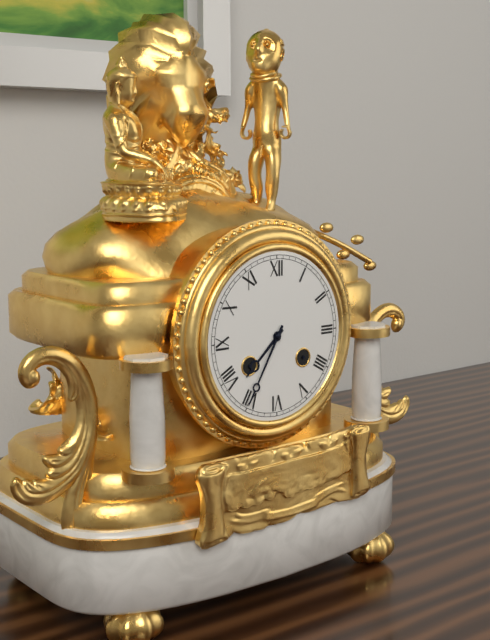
{"hour": 7, "minute": 35}
